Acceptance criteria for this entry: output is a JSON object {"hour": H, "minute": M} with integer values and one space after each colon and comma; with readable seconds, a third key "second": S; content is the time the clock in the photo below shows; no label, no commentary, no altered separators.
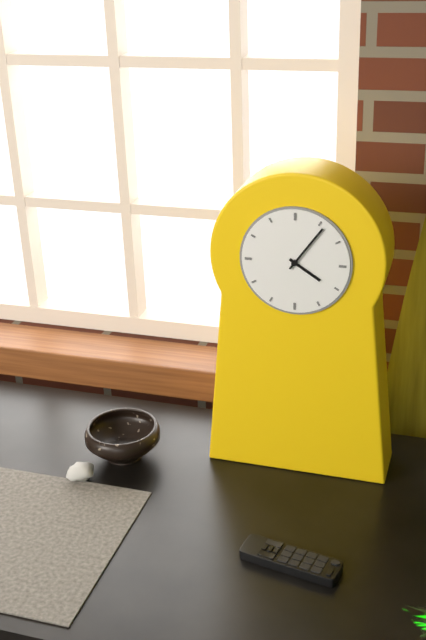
{"hour": 4, "minute": 6}
